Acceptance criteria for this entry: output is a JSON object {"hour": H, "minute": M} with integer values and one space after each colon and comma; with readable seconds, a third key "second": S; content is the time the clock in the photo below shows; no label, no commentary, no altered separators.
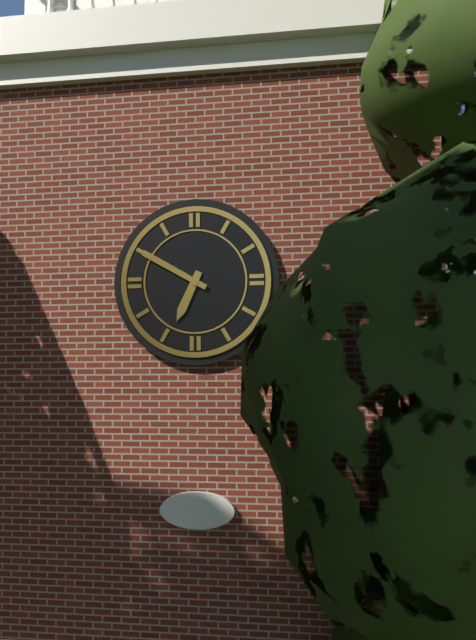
{"hour": 6, "minute": 50}
